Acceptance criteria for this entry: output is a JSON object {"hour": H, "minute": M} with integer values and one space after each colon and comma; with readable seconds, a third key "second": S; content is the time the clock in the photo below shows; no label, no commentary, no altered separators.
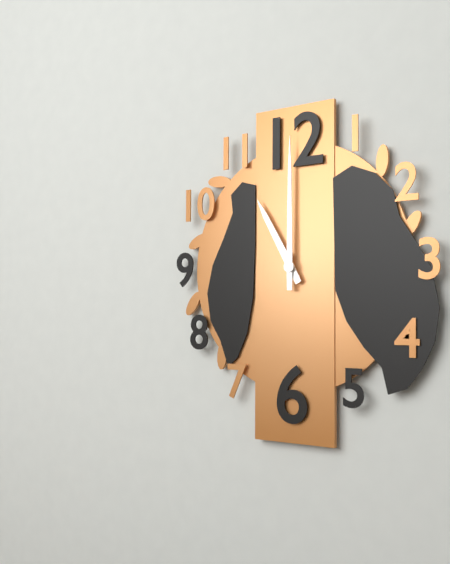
{"hour": 11, "minute": 0}
